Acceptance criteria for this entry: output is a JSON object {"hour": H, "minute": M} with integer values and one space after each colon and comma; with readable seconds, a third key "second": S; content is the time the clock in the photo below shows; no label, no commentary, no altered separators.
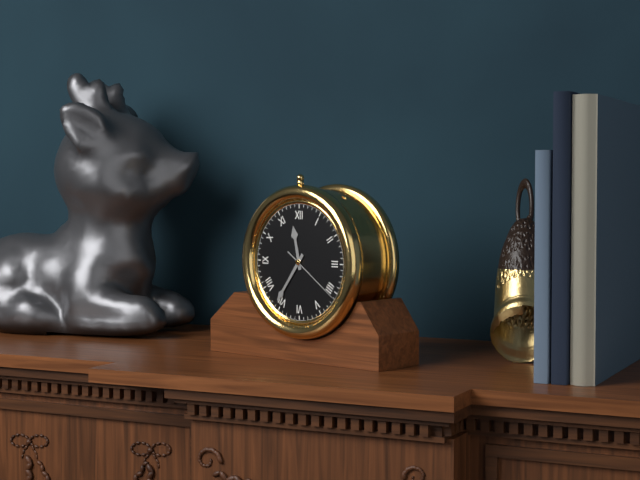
{"hour": 11, "minute": 36}
